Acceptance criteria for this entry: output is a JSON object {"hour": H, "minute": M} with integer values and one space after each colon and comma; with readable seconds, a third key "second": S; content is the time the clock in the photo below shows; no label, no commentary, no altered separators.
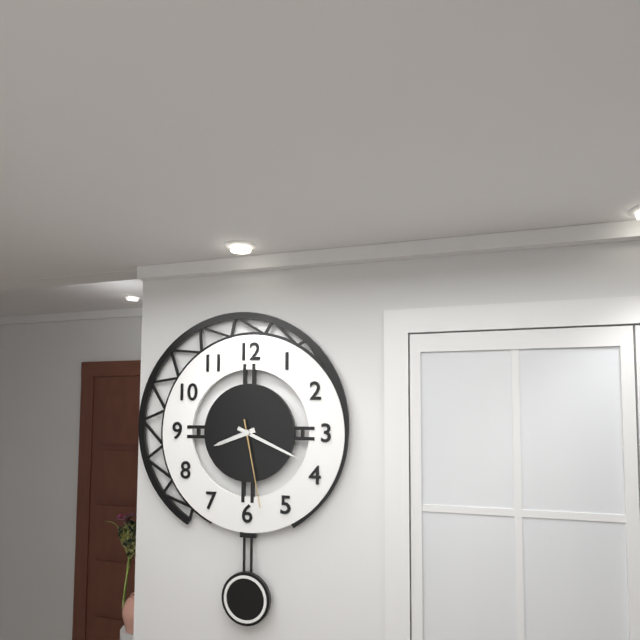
{"hour": 8, "minute": 19, "second": 28}
